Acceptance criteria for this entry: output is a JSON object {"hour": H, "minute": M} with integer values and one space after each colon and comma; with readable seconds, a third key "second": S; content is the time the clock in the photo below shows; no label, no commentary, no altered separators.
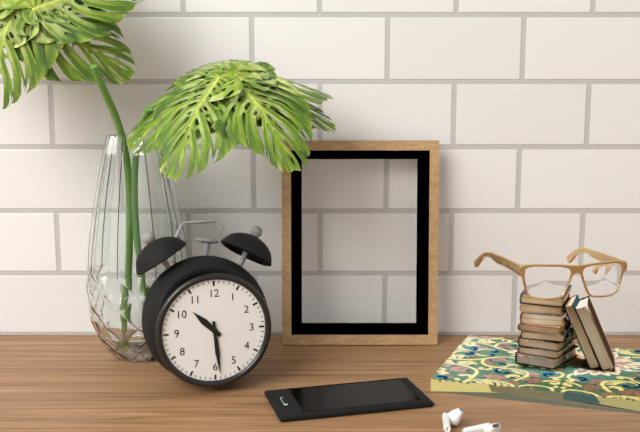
{"hour": 10, "minute": 29}
